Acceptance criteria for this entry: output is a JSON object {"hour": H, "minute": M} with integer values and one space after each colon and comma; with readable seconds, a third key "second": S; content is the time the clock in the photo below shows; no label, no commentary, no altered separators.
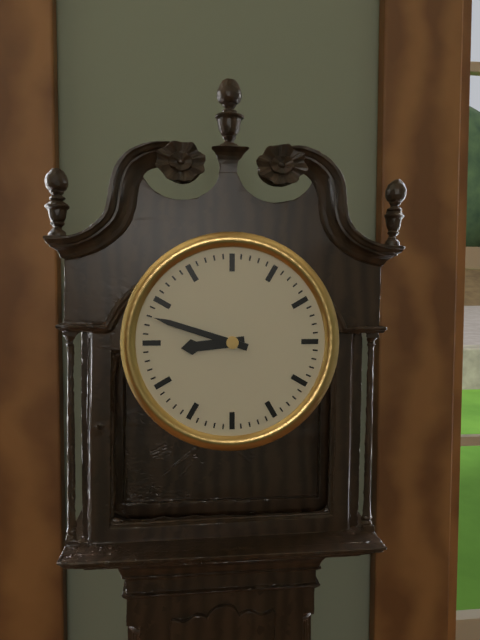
{"hour": 8, "minute": 48}
